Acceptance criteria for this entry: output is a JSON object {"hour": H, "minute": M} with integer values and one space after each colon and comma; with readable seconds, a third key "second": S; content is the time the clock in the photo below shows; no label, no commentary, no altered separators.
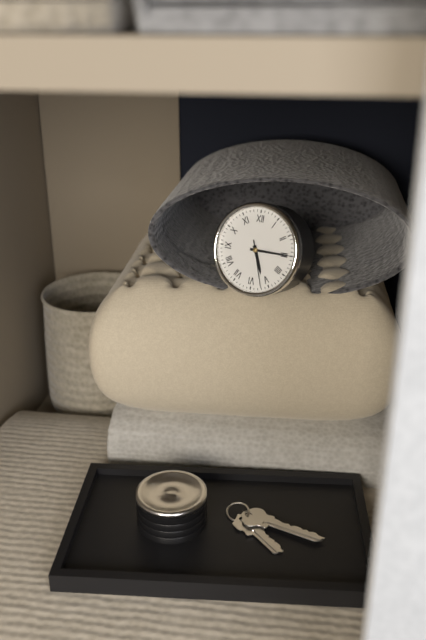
{"hour": 5, "minute": 15}
